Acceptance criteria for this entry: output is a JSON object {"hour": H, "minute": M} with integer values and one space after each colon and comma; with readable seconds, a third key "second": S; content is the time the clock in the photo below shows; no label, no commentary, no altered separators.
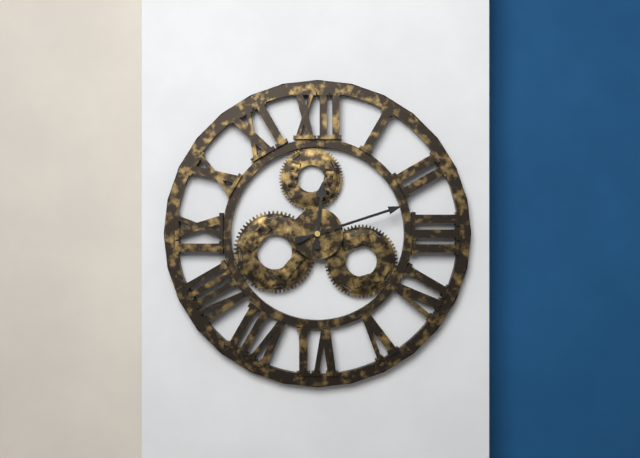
{"hour": 12, "minute": 12}
